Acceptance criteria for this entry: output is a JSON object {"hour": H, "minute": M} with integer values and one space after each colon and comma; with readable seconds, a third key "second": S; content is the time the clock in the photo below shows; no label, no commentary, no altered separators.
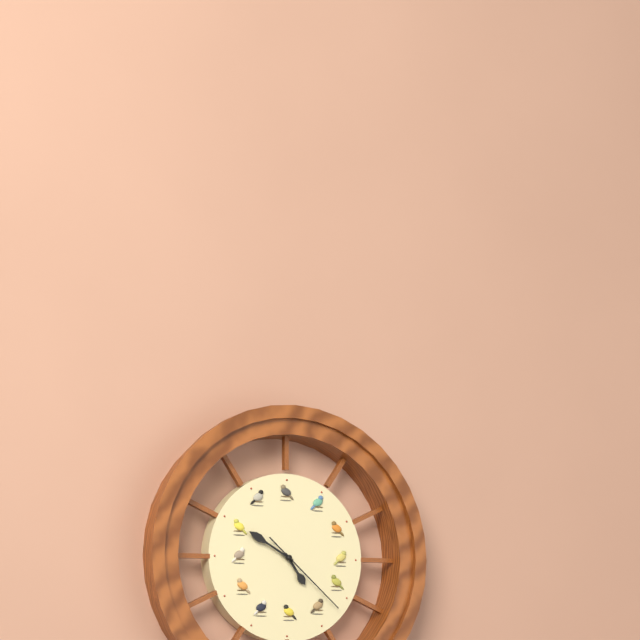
{"hour": 4, "minute": 50, "second": 22}
